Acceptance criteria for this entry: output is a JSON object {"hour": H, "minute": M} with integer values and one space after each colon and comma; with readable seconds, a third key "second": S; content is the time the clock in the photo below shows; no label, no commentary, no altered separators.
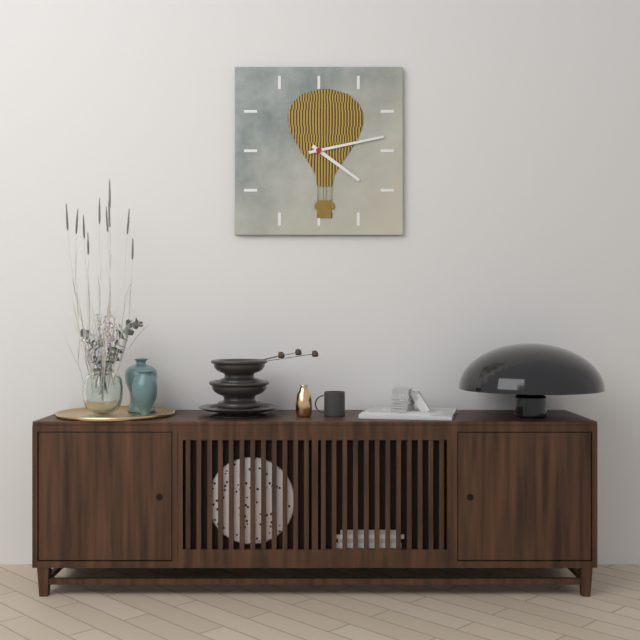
{"hour": 4, "minute": 13}
